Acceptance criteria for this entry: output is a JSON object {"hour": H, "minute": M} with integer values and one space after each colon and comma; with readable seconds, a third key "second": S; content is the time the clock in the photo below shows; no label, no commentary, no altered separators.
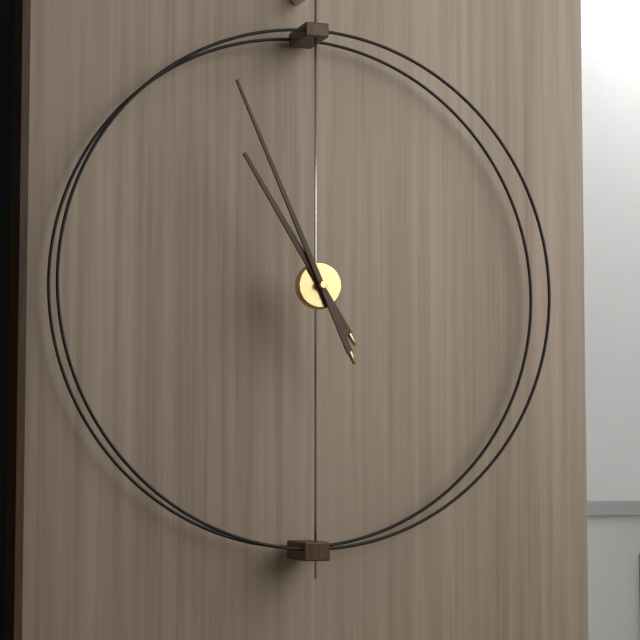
{"hour": 10, "minute": 56}
